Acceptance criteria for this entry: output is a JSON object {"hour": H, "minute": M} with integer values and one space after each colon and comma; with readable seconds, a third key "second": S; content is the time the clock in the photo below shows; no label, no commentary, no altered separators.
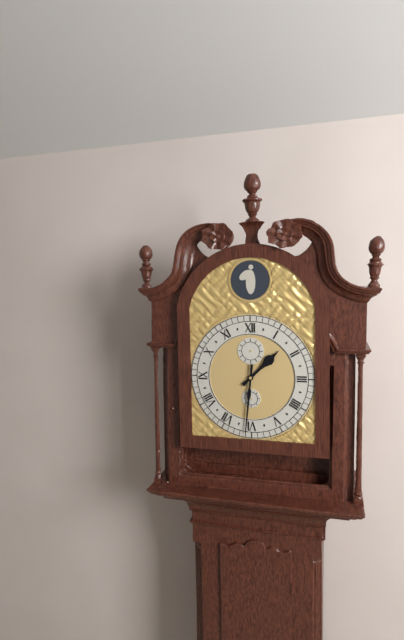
{"hour": 1, "minute": 31}
